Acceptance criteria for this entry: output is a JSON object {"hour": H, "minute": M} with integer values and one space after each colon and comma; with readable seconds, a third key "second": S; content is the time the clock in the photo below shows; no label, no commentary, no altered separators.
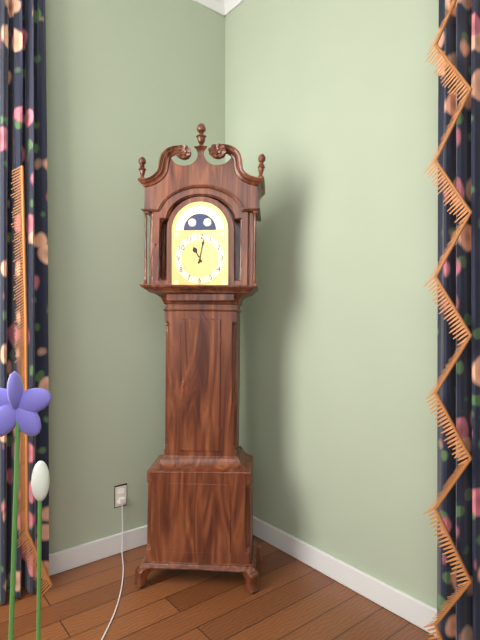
{"hour": 11, "minute": 2}
